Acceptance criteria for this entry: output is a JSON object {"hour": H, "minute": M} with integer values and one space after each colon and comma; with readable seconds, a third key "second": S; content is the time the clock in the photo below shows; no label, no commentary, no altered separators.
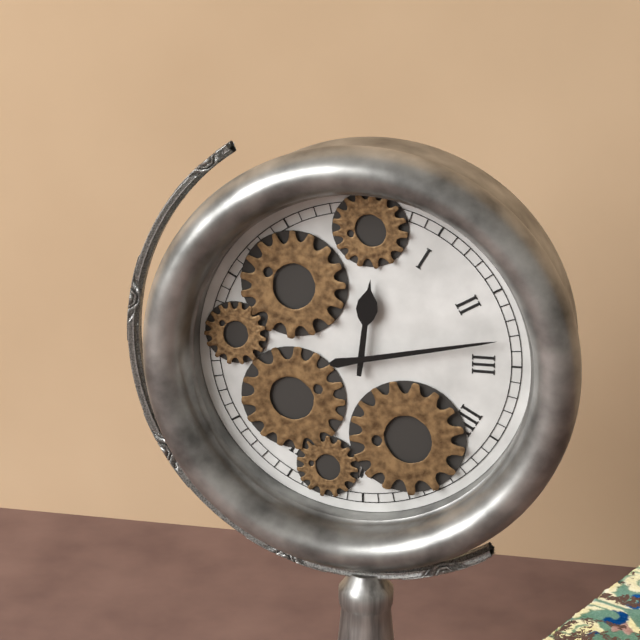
{"hour": 12, "minute": 13}
